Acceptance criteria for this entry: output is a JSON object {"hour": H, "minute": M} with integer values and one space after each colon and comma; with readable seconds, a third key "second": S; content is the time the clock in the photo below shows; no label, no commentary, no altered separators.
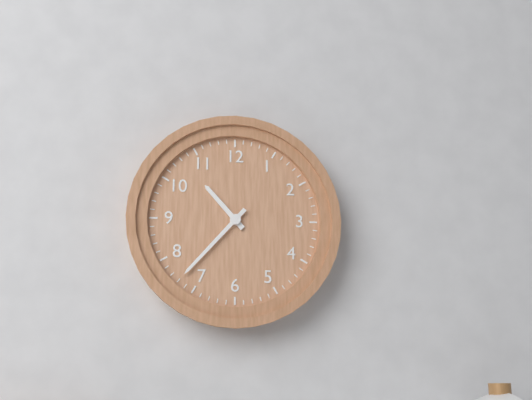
{"hour": 10, "minute": 37}
